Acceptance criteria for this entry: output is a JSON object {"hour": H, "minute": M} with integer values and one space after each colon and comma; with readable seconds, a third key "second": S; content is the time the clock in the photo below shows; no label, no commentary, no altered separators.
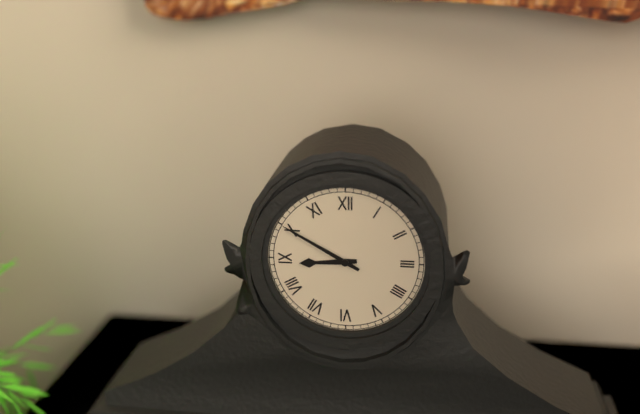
{"hour": 8, "minute": 50}
